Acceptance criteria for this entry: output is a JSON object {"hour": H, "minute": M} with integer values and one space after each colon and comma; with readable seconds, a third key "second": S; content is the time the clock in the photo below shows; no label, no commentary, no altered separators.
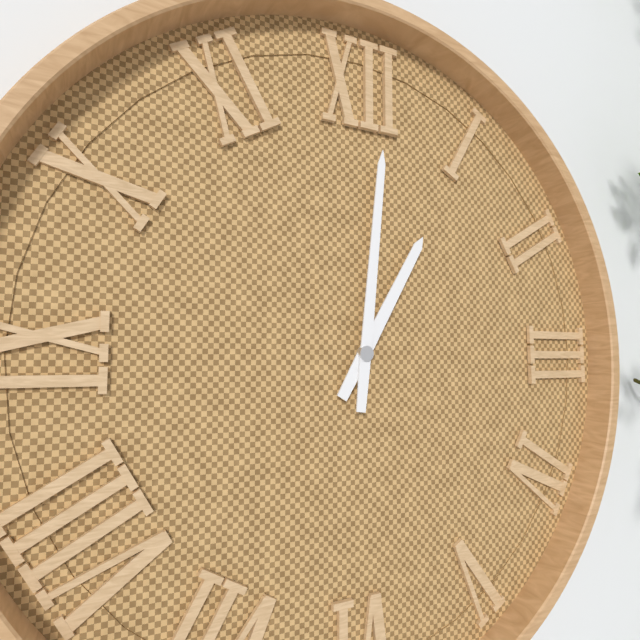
{"hour": 1, "minute": 1}
